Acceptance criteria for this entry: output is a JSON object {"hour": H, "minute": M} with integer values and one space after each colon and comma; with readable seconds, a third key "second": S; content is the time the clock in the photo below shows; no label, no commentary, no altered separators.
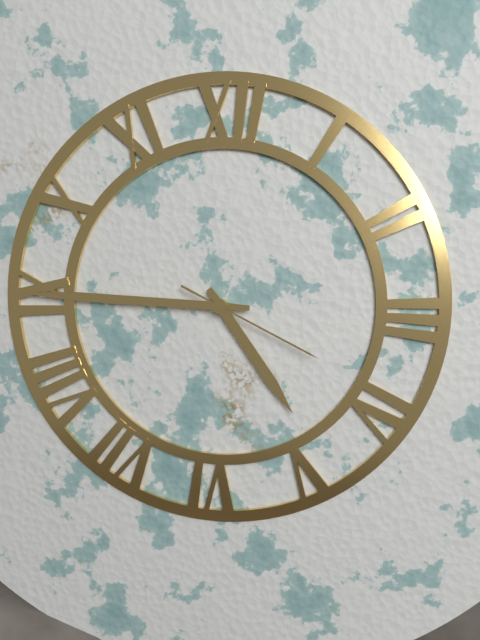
{"hour": 4, "minute": 45, "second": 19}
